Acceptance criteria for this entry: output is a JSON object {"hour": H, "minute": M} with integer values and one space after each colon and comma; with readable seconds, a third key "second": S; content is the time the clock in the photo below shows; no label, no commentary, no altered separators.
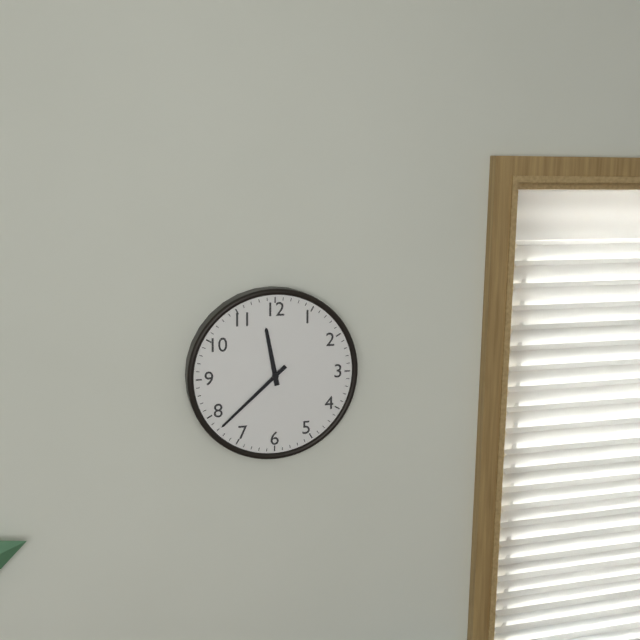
{"hour": 11, "minute": 38}
